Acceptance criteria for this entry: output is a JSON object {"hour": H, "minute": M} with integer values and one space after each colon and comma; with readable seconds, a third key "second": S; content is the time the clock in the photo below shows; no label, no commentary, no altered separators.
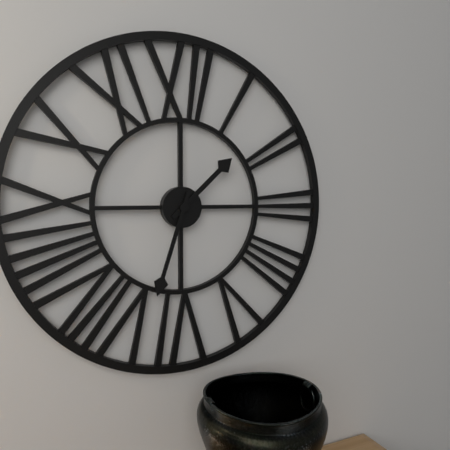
{"hour": 1, "minute": 33}
